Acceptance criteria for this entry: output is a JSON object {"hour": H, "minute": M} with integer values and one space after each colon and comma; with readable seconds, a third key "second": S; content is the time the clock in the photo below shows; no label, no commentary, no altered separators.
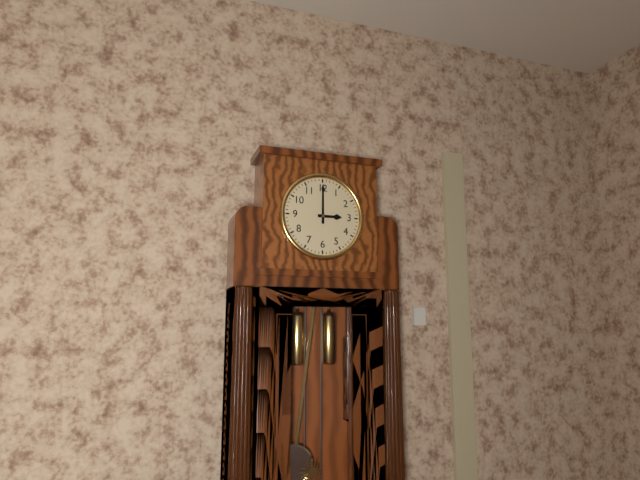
{"hour": 3, "minute": 0}
